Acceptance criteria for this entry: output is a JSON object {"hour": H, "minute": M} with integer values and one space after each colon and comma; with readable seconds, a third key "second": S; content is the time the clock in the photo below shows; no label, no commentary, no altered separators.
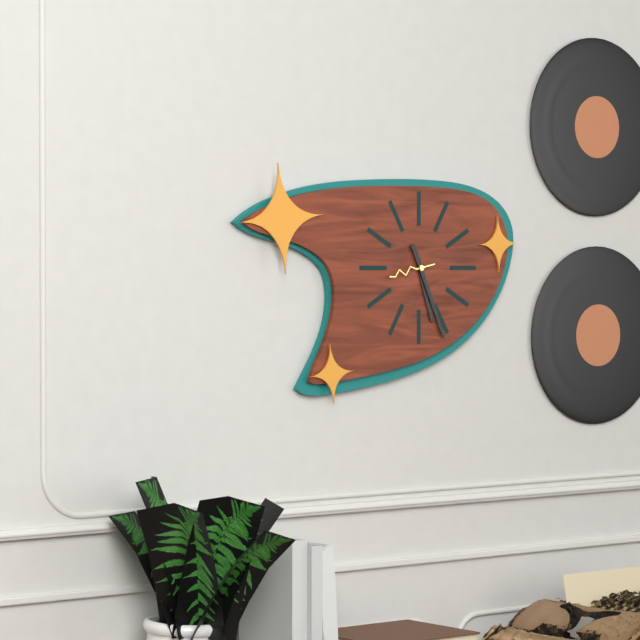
{"hour": 5, "minute": 26}
